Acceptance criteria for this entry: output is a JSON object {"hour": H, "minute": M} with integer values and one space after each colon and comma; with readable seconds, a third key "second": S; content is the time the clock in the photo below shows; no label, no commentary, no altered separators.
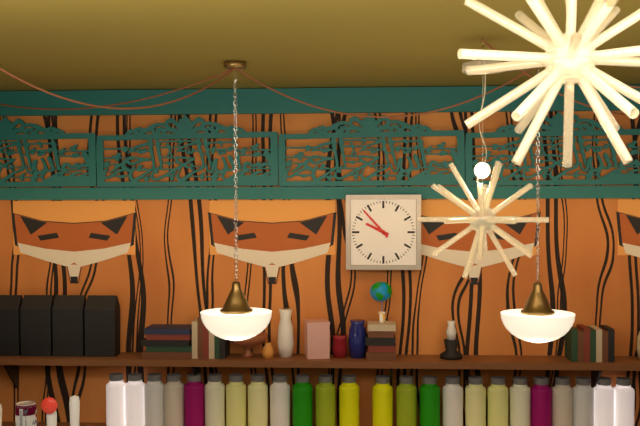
{"hour": 9, "minute": 53}
